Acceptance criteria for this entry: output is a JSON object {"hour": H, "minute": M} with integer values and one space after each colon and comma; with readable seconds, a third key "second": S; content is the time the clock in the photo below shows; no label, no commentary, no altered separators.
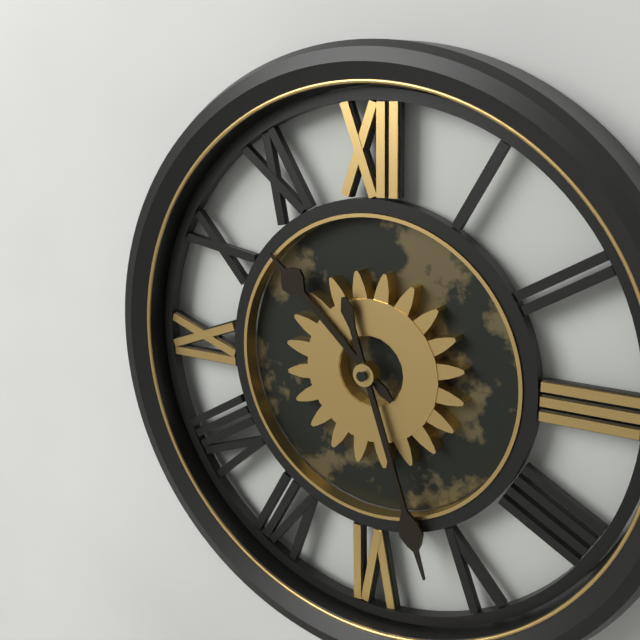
{"hour": 10, "minute": 27}
